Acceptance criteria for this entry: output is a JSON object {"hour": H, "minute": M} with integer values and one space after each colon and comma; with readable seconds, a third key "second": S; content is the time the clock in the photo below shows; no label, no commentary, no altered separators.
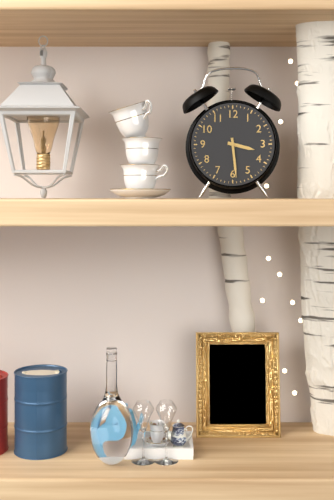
{"hour": 3, "minute": 29}
